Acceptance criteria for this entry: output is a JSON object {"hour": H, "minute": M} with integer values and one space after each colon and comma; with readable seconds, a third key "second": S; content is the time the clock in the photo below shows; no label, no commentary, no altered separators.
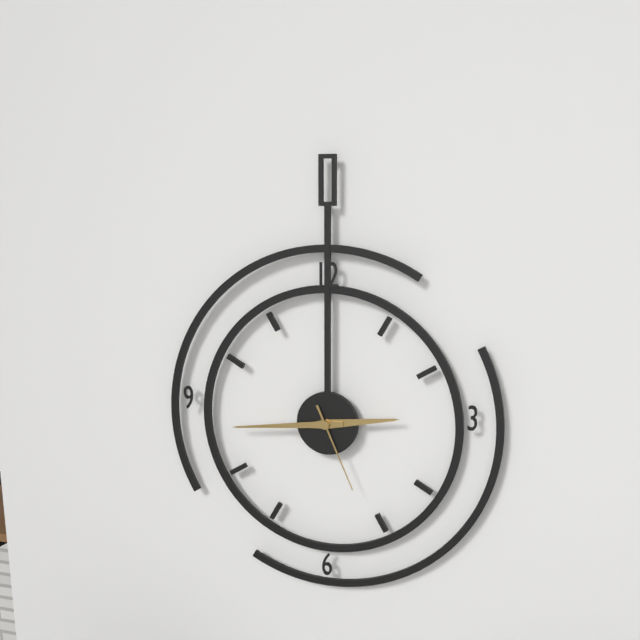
{"hour": 2, "minute": 44, "second": 26}
